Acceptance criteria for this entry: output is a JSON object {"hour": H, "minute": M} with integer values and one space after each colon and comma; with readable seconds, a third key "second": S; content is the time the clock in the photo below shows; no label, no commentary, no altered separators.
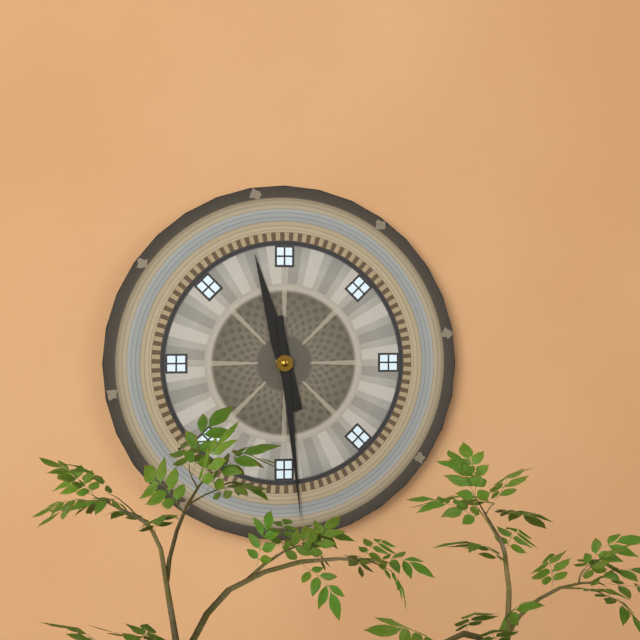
{"hour": 11, "minute": 29}
